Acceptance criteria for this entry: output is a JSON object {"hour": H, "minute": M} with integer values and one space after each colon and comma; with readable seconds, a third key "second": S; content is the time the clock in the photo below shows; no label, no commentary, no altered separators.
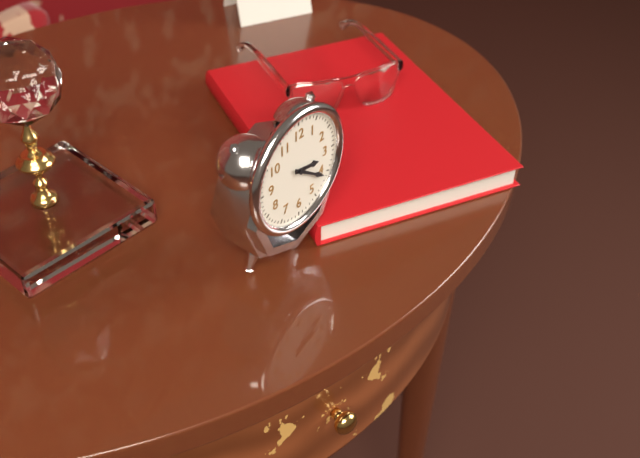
{"hour": 3, "minute": 21}
